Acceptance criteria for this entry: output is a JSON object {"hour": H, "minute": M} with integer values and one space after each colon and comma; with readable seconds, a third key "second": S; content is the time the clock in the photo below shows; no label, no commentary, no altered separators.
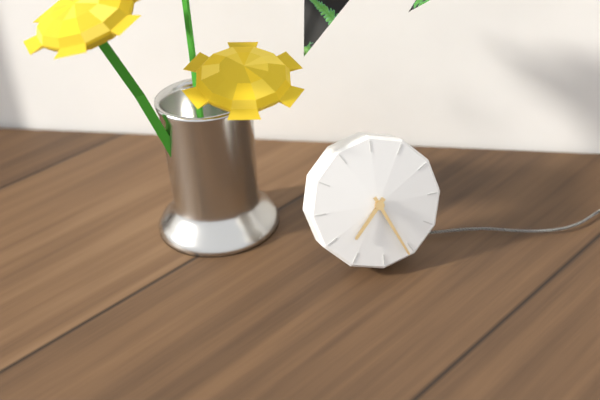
{"hour": 7, "minute": 26}
